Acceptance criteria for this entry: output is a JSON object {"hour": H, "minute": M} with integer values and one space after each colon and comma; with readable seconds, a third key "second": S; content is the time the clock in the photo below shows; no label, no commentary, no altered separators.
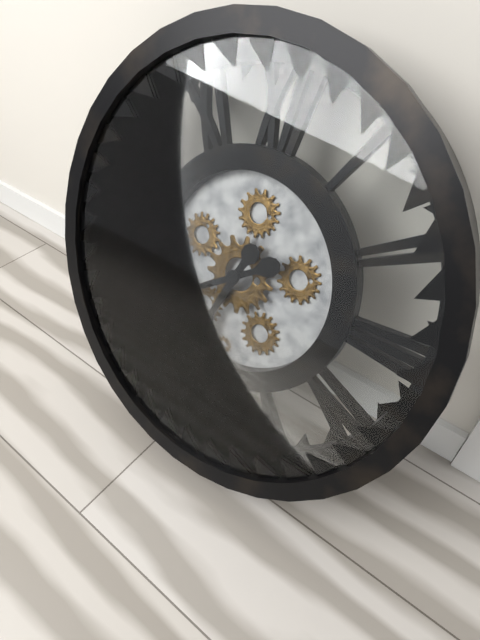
{"hour": 6, "minute": 39}
